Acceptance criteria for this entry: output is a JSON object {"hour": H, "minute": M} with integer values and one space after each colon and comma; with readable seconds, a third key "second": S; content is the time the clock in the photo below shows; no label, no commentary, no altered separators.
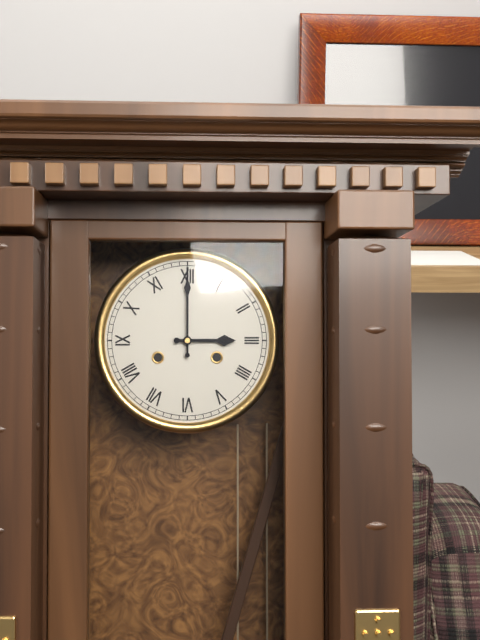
{"hour": 3, "minute": 0}
